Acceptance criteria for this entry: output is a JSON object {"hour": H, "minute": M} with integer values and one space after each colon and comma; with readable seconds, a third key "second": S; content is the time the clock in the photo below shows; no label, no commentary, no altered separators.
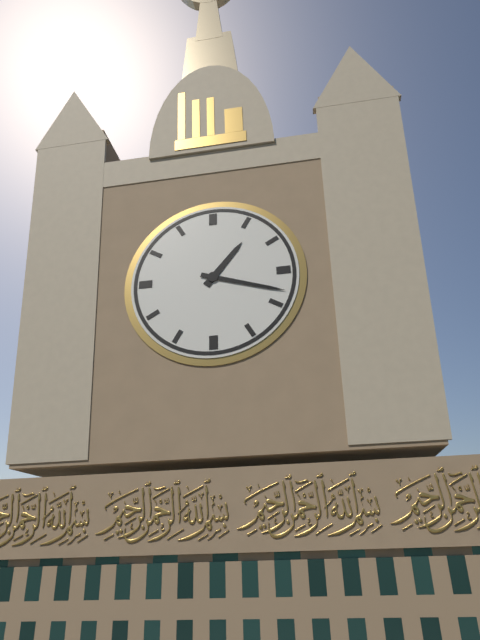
{"hour": 1, "minute": 18}
